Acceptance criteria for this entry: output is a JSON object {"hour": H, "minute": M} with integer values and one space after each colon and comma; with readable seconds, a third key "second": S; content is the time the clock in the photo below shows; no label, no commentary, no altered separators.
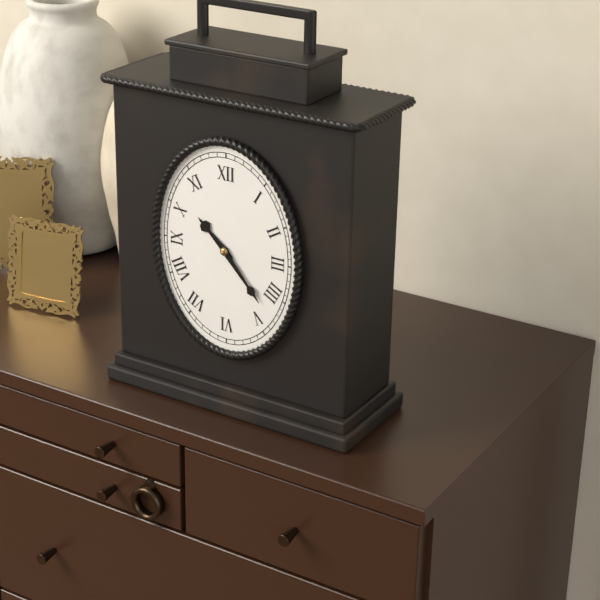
{"hour": 10, "minute": 23}
